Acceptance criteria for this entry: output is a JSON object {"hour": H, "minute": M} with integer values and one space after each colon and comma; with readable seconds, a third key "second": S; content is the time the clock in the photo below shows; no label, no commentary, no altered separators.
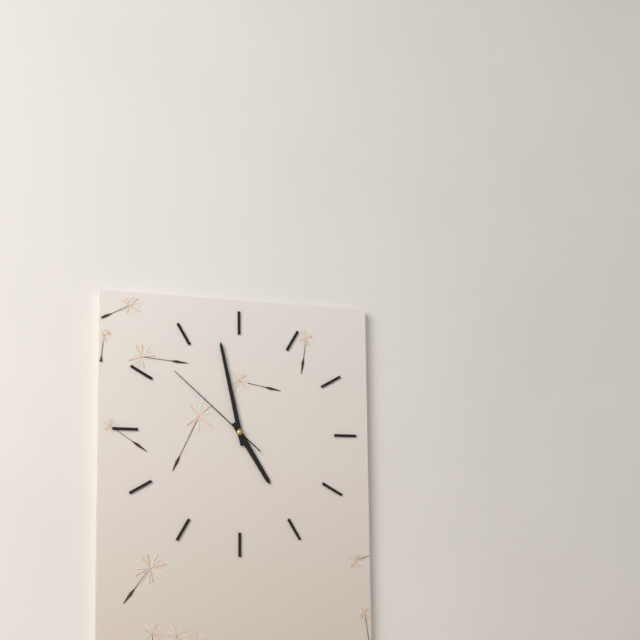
{"hour": 4, "minute": 58, "second": 52}
